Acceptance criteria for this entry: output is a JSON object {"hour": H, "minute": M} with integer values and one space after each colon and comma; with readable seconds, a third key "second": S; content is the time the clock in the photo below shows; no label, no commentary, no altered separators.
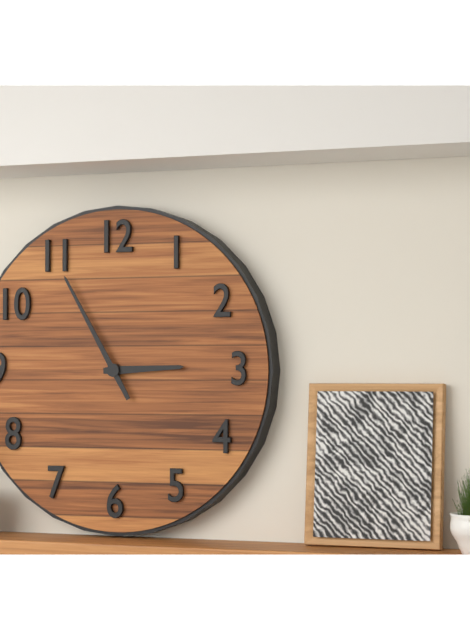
{"hour": 2, "minute": 55}
